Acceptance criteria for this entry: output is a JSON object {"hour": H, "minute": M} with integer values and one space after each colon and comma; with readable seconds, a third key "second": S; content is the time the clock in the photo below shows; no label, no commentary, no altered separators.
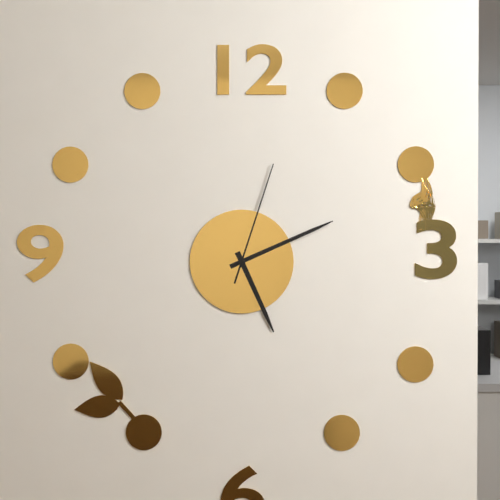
{"hour": 5, "minute": 11, "second": 3}
